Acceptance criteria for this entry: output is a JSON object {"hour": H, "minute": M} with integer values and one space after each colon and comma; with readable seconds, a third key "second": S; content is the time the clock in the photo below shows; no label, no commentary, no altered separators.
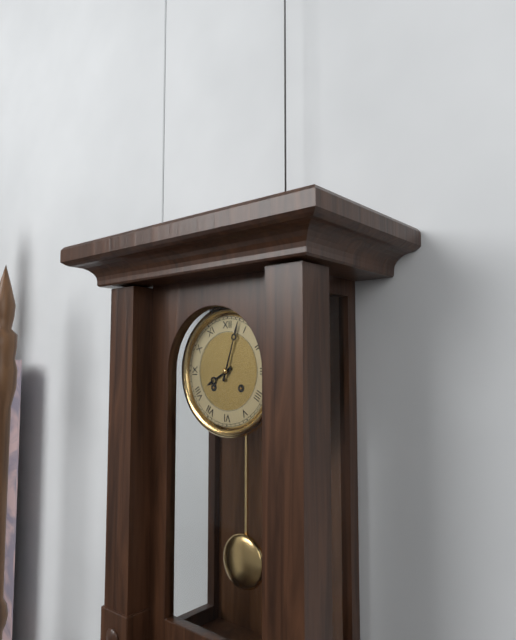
{"hour": 8, "minute": 3}
